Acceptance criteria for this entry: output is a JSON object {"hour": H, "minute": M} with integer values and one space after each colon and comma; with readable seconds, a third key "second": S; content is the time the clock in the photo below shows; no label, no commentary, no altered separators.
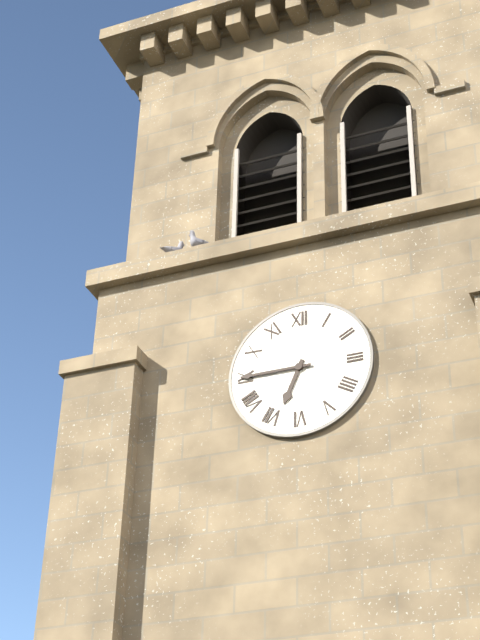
{"hour": 6, "minute": 45}
